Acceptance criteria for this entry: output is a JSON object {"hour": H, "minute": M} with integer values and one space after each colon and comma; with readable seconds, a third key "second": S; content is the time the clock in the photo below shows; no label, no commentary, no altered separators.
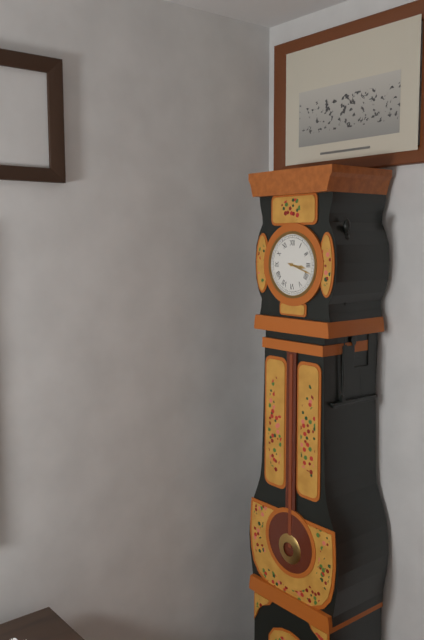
{"hour": 3, "minute": 18}
